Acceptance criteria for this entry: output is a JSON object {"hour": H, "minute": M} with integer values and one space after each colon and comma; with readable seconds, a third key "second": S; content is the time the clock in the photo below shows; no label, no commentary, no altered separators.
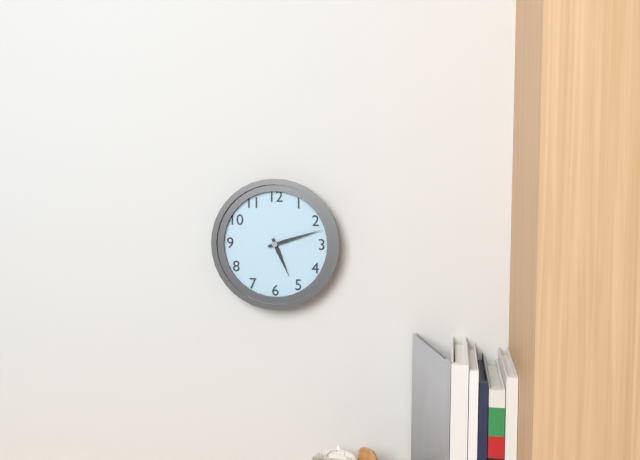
{"hour": 5, "minute": 12}
